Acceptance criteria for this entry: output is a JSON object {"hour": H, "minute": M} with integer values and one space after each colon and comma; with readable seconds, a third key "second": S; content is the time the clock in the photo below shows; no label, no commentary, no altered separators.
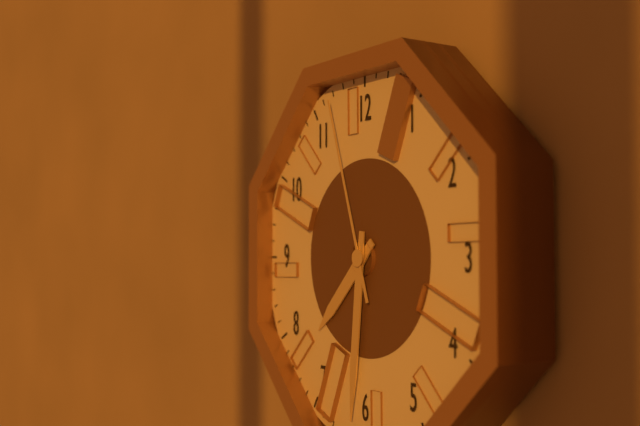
{"hour": 7, "minute": 31, "second": 57}
